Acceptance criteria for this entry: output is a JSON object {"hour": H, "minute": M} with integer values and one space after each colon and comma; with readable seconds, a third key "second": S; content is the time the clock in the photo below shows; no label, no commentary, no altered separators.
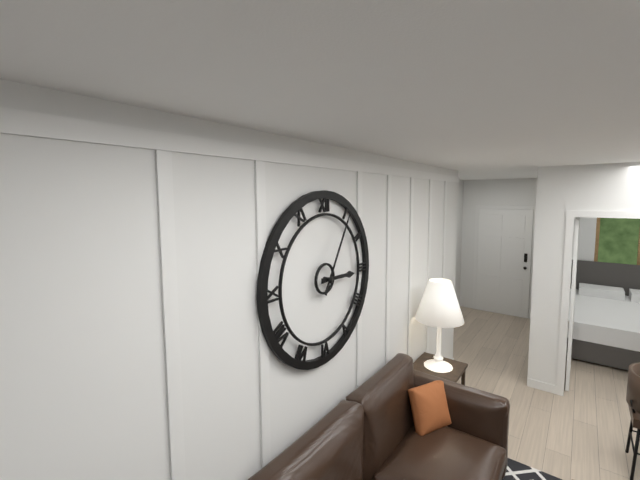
{"hour": 3, "minute": 5}
